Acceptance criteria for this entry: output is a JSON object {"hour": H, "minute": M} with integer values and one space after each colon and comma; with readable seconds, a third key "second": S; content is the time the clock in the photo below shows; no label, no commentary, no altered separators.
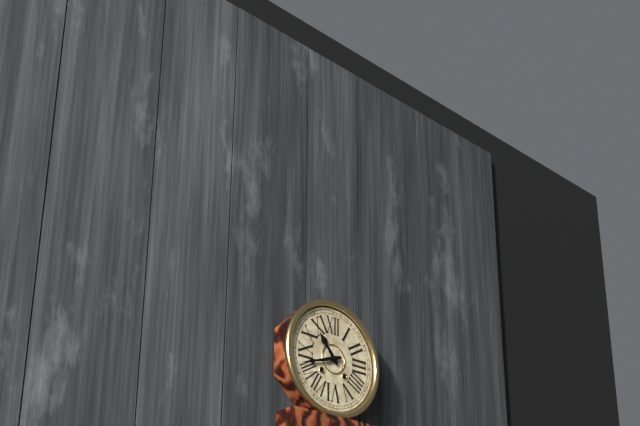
{"hour": 10, "minute": 42}
